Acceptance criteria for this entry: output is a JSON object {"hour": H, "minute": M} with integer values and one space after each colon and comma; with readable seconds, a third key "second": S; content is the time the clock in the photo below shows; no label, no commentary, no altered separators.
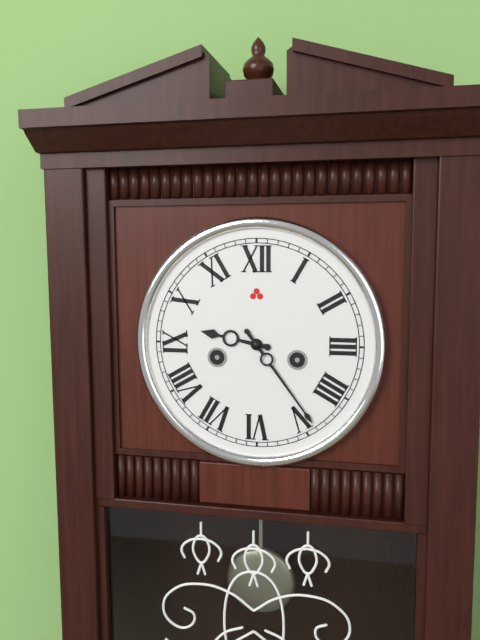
{"hour": 9, "minute": 24}
